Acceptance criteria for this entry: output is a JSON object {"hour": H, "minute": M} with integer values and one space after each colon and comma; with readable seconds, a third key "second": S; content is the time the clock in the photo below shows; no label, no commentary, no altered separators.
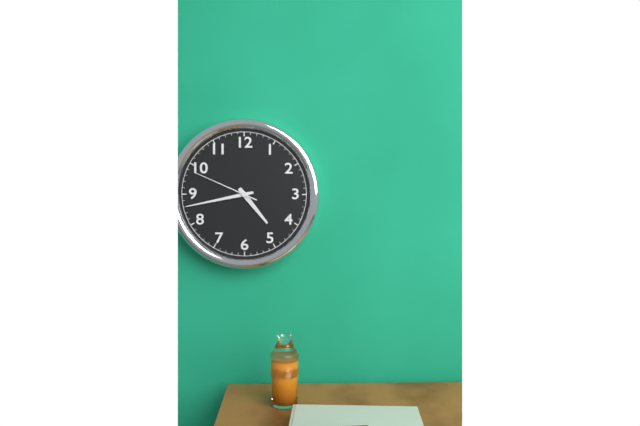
{"hour": 4, "minute": 43, "second": 49}
